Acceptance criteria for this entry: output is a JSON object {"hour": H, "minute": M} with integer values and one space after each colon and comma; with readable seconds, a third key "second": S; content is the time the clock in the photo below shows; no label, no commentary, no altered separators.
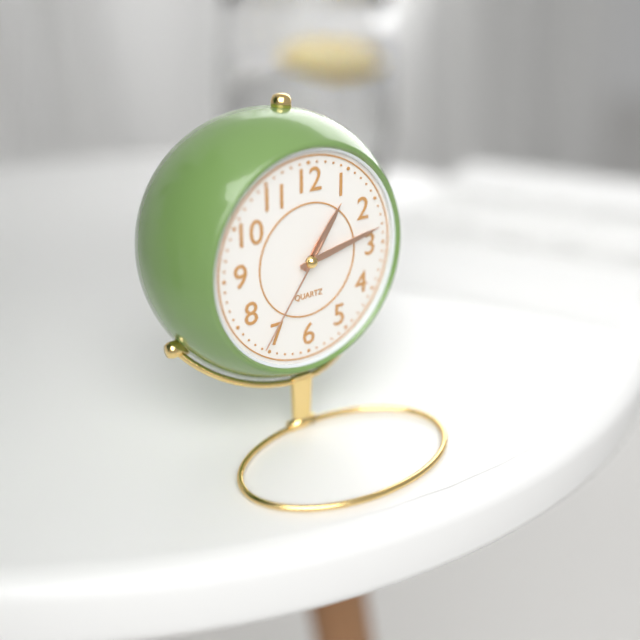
{"hour": 1, "minute": 13, "second": 36}
